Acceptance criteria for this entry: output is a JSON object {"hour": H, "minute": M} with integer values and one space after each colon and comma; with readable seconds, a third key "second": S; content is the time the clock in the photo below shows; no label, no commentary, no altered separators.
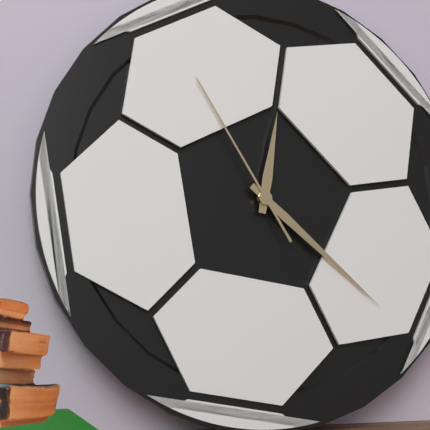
{"hour": 12, "minute": 22, "second": 55}
